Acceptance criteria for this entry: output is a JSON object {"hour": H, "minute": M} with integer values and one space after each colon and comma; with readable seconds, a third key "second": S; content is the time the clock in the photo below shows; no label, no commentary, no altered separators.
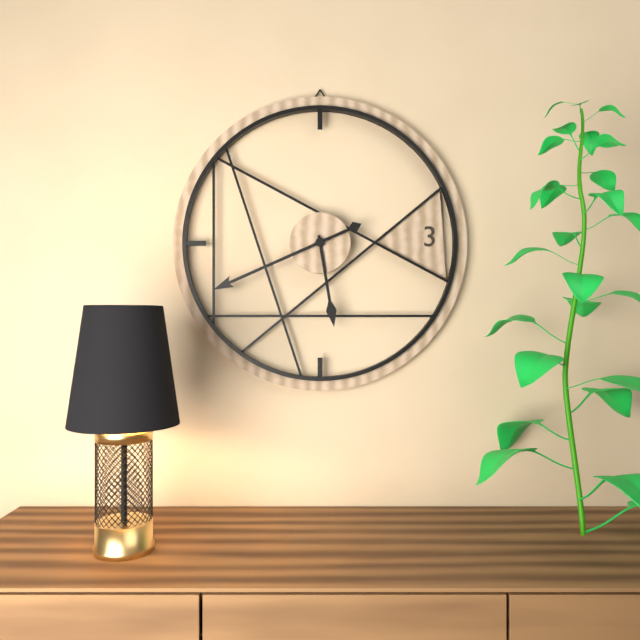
{"hour": 5, "minute": 41}
